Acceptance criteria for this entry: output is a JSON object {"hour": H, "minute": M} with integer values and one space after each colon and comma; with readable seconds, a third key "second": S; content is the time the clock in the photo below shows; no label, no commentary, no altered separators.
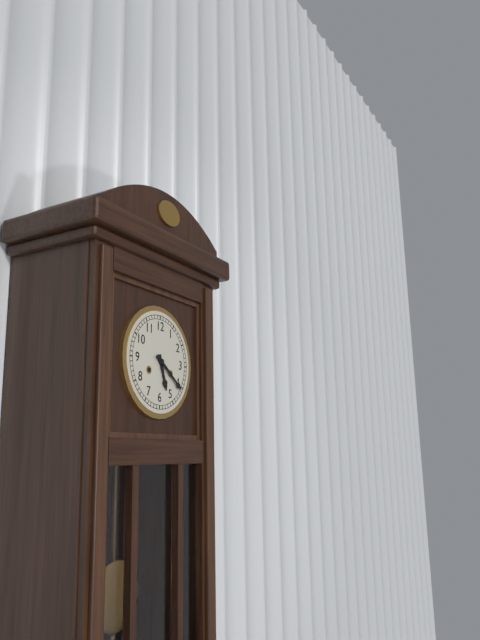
{"hour": 5, "minute": 21}
